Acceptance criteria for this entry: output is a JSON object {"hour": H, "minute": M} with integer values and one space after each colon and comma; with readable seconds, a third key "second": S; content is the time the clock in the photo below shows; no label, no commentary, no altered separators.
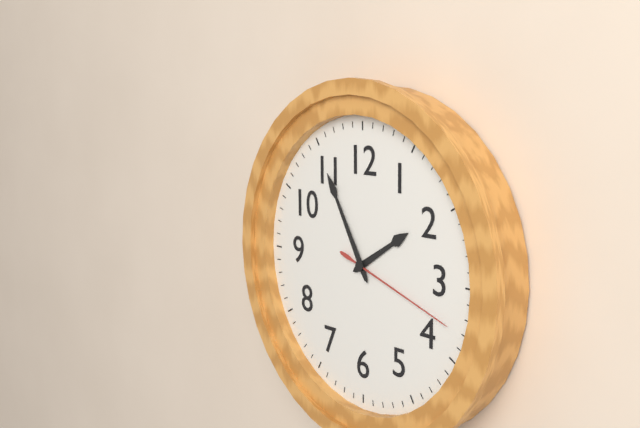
{"hour": 1, "minute": 55, "second": 18}
